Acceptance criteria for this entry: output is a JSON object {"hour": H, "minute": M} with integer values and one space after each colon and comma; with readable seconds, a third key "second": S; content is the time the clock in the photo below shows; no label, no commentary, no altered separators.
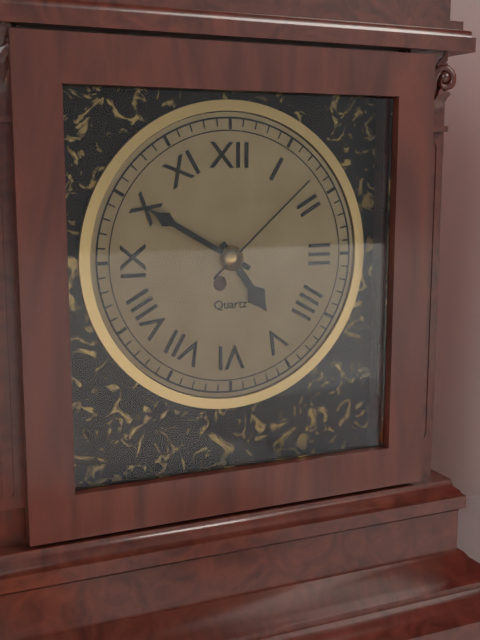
{"hour": 4, "minute": 50, "second": 8}
